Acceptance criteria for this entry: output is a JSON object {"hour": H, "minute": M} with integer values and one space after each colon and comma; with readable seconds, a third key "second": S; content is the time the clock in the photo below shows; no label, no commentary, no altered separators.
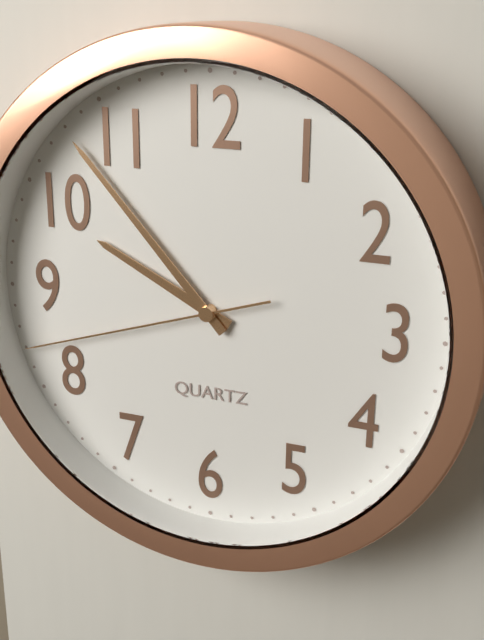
{"hour": 9, "minute": 53, "second": 42}
